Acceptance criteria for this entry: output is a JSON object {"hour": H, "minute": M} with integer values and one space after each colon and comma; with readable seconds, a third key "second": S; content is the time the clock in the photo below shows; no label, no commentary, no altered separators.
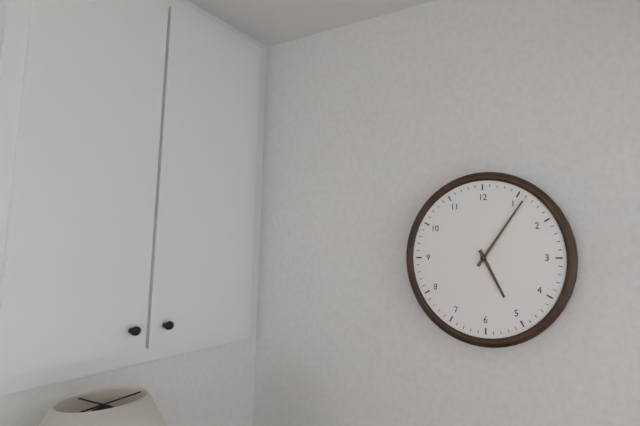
{"hour": 5, "minute": 6}
